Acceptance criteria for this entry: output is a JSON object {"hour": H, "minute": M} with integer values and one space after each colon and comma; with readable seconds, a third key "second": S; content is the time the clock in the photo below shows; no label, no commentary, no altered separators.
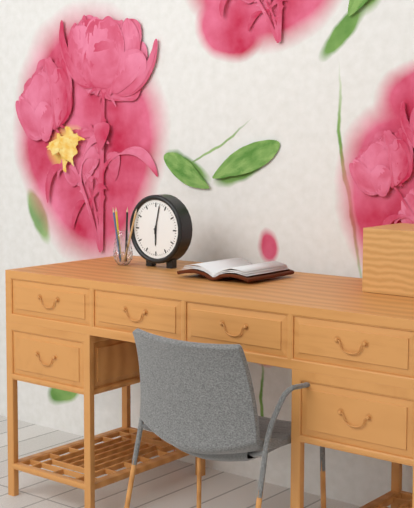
{"hour": 6, "minute": 2}
